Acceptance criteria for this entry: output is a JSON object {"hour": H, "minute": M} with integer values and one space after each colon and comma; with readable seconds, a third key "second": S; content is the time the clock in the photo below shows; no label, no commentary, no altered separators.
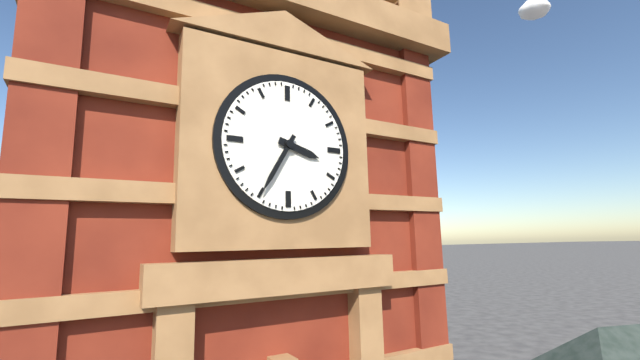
{"hour": 3, "minute": 35}
